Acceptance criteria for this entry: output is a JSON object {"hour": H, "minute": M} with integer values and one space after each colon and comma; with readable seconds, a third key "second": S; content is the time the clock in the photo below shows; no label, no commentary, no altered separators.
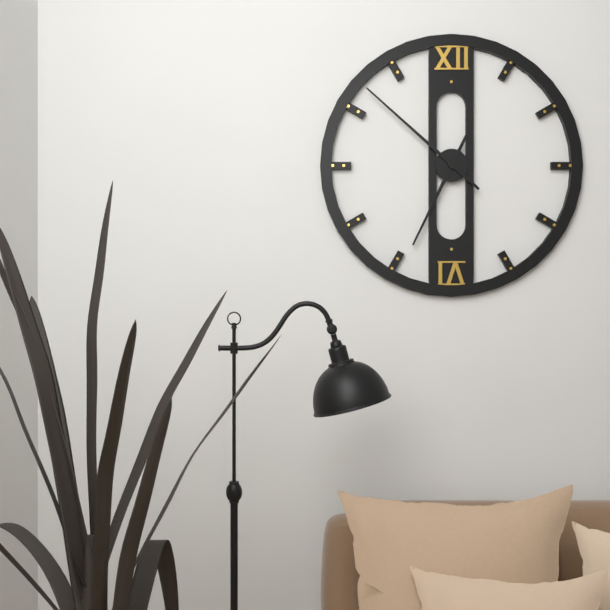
{"hour": 6, "minute": 52}
